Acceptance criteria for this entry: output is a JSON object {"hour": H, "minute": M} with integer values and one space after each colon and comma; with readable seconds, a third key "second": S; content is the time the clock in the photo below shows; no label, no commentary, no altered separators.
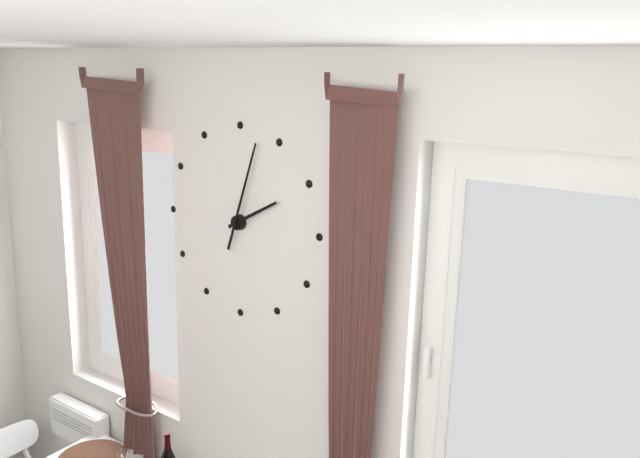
{"hour": 2, "minute": 3}
